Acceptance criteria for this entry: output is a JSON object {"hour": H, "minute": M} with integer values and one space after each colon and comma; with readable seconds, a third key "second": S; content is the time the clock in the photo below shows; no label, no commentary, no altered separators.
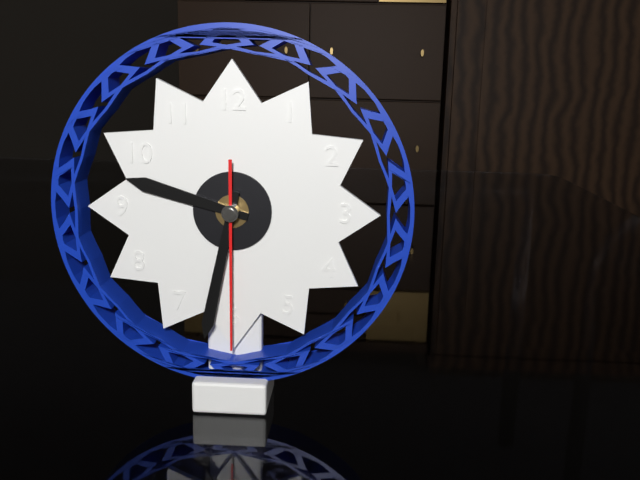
{"hour": 9, "minute": 32, "second": 30}
